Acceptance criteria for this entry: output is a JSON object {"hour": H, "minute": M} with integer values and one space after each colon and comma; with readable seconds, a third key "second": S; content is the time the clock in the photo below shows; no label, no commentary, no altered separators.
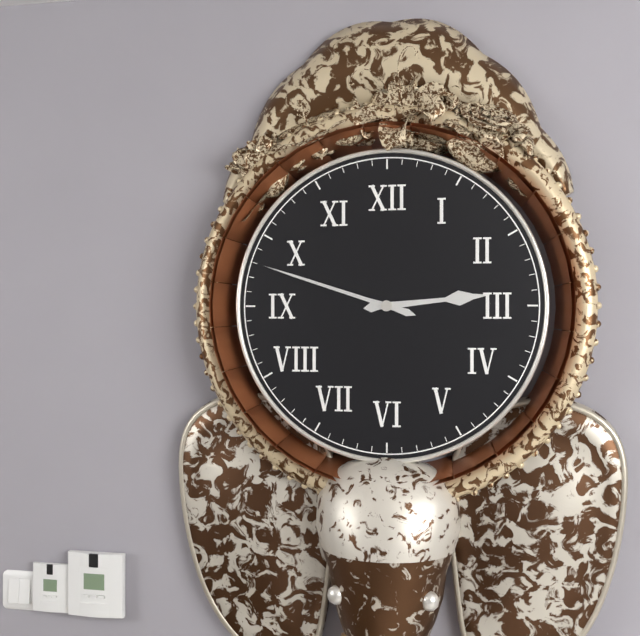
{"hour": 2, "minute": 48}
